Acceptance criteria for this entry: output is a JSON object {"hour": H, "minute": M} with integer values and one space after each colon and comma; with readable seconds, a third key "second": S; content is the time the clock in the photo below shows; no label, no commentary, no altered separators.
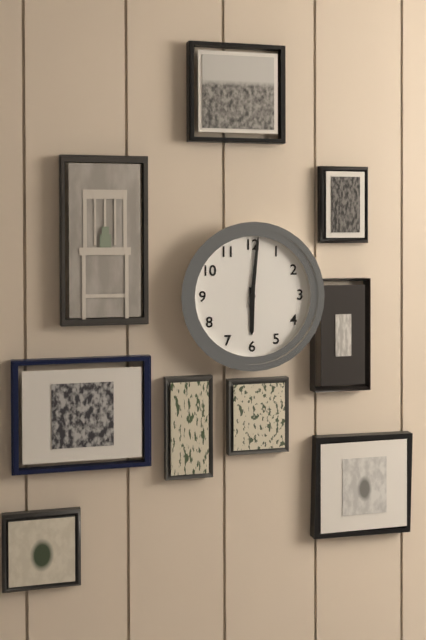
{"hour": 6, "minute": 1}
